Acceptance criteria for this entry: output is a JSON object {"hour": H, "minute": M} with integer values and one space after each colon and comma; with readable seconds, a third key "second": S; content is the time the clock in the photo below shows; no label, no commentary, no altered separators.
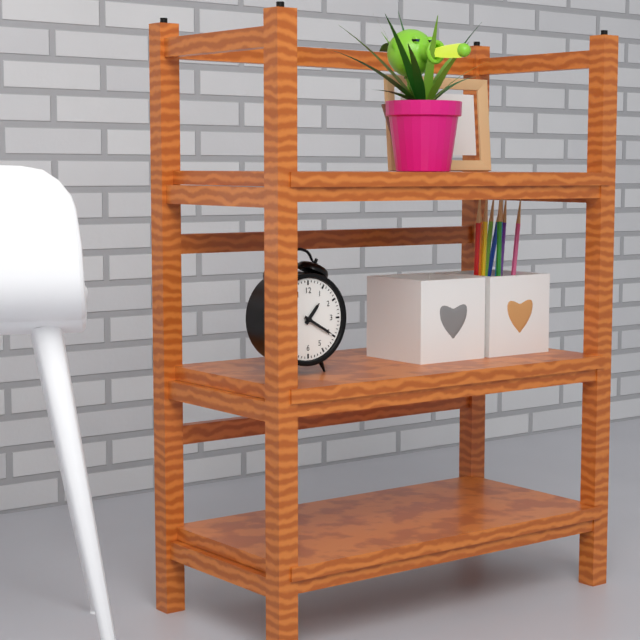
{"hour": 1, "minute": 20}
